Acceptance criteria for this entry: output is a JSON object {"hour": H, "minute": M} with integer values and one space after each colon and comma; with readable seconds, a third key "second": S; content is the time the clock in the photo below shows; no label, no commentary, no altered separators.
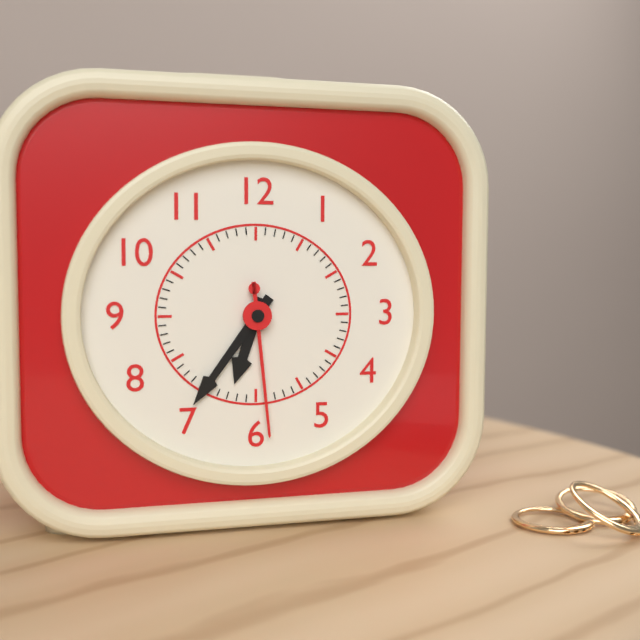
{"hour": 6, "minute": 36, "second": 29}
